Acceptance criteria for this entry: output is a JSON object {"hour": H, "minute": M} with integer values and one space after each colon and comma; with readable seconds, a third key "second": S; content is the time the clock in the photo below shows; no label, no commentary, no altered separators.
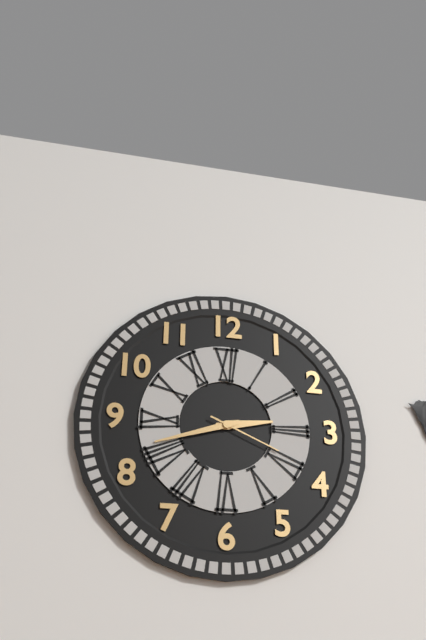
{"hour": 2, "minute": 42, "second": 19}
